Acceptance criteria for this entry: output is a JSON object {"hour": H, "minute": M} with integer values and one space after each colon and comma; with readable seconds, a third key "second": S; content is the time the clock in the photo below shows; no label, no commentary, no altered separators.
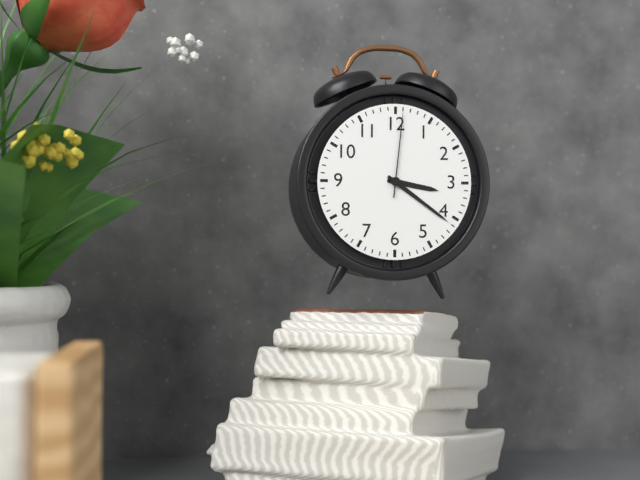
{"hour": 3, "minute": 21, "second": 1}
